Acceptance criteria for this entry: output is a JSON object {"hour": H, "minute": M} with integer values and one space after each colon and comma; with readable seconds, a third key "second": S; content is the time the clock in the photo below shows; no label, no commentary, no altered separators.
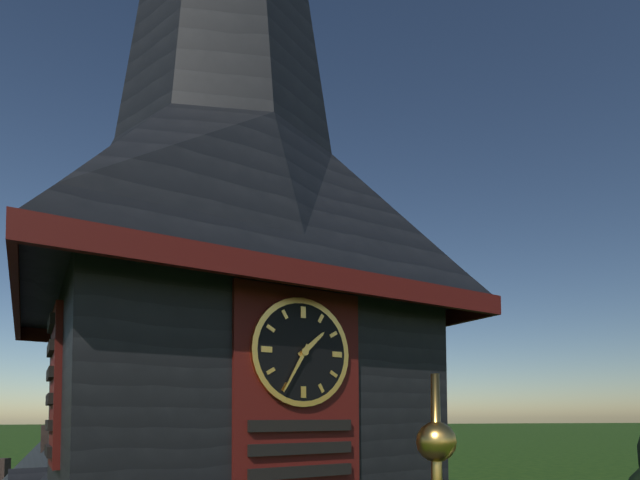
{"hour": 1, "minute": 35}
